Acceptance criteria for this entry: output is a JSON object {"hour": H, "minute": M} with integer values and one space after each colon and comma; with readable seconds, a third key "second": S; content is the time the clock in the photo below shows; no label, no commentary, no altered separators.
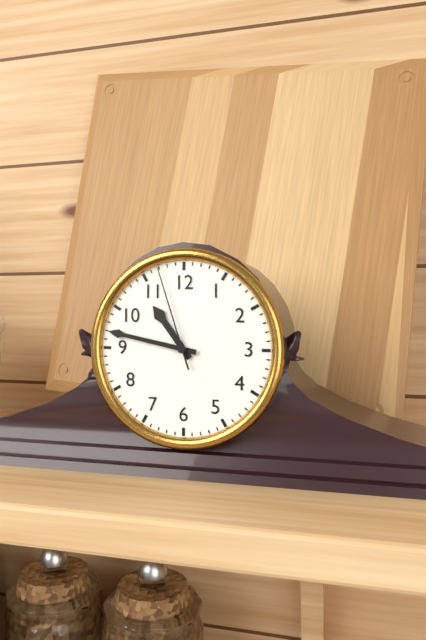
{"hour": 10, "minute": 47, "second": 57}
